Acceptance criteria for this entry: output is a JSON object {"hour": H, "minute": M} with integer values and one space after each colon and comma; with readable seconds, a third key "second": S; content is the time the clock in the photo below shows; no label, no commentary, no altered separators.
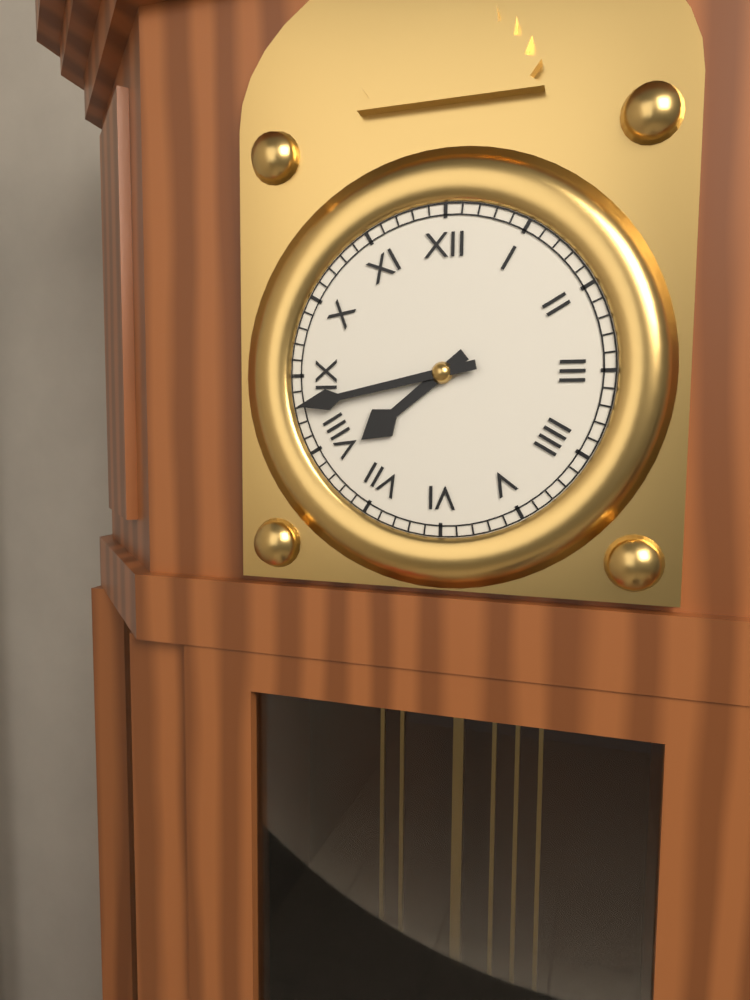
{"hour": 7, "minute": 43}
